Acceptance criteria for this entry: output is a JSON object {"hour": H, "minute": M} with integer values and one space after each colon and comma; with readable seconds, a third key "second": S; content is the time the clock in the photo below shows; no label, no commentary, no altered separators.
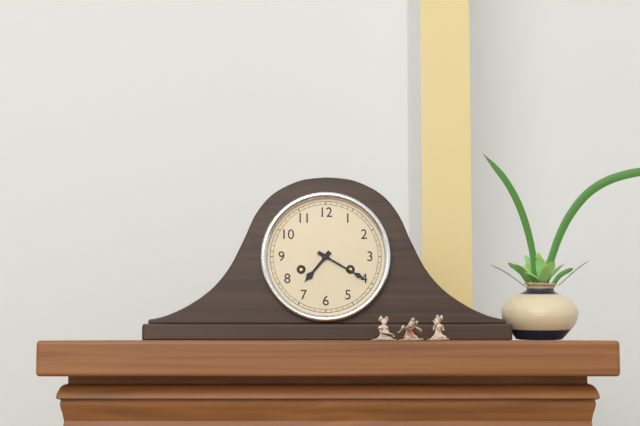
{"hour": 7, "minute": 20}
